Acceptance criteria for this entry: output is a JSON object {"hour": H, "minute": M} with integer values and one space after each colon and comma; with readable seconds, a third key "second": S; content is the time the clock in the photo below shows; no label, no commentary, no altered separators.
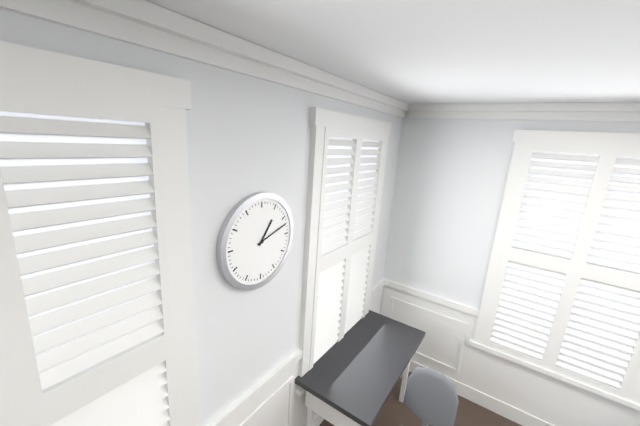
{"hour": 1, "minute": 12}
